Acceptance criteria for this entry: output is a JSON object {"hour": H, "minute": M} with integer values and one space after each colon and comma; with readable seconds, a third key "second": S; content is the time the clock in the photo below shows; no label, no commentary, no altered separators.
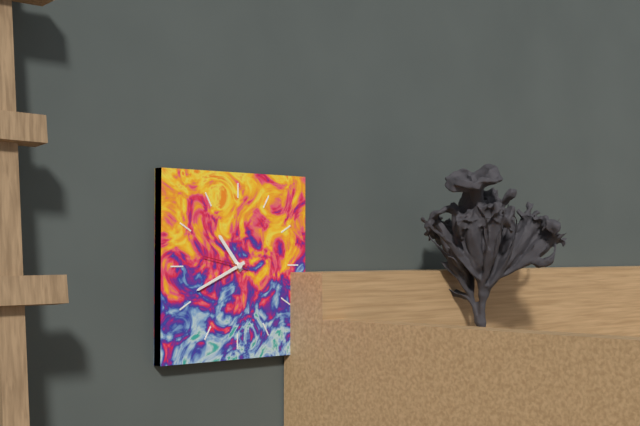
{"hour": 10, "minute": 41}
